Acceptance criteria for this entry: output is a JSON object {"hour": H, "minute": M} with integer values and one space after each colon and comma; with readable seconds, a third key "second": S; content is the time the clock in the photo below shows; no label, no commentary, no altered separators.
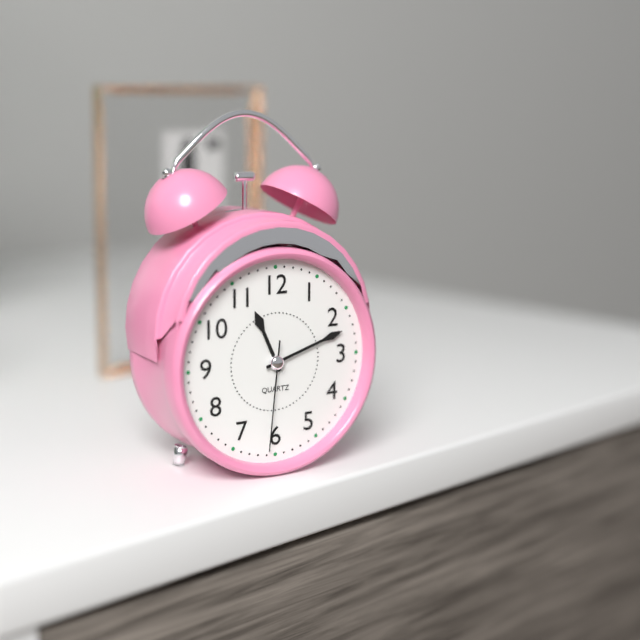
{"hour": 11, "minute": 12, "second": 31}
